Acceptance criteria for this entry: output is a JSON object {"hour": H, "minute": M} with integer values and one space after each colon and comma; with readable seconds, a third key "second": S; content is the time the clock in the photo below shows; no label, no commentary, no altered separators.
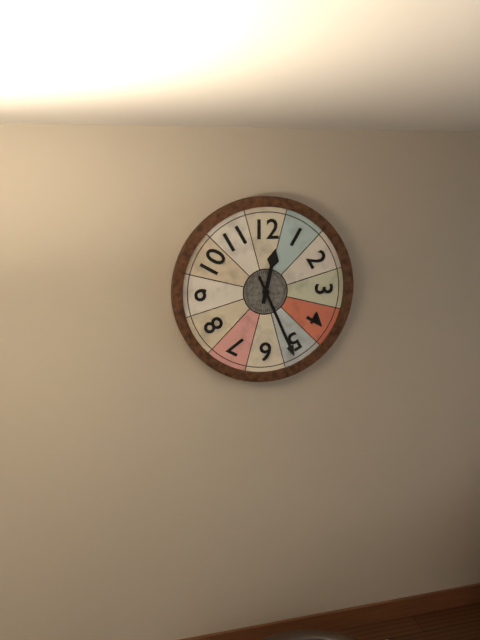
{"hour": 12, "minute": 26}
